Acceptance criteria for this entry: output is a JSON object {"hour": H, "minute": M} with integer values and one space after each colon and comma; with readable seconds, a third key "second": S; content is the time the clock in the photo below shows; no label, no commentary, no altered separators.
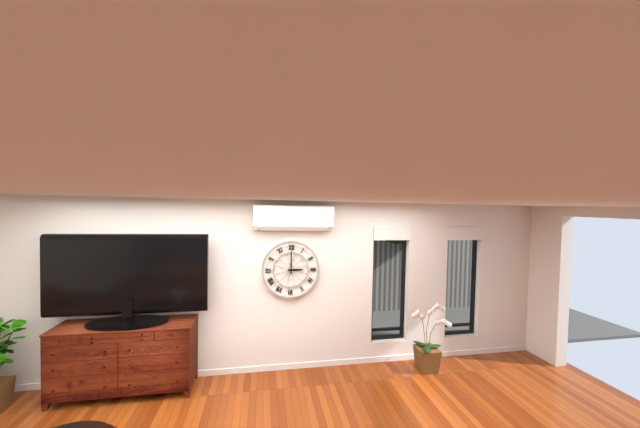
{"hour": 3, "minute": 0}
